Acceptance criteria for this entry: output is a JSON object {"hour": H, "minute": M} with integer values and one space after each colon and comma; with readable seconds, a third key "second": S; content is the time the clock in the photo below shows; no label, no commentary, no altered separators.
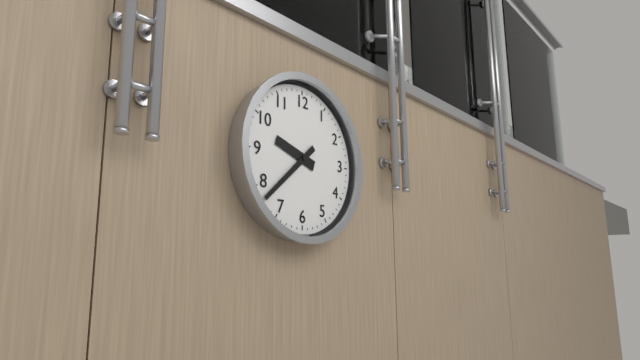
{"hour": 9, "minute": 38}
